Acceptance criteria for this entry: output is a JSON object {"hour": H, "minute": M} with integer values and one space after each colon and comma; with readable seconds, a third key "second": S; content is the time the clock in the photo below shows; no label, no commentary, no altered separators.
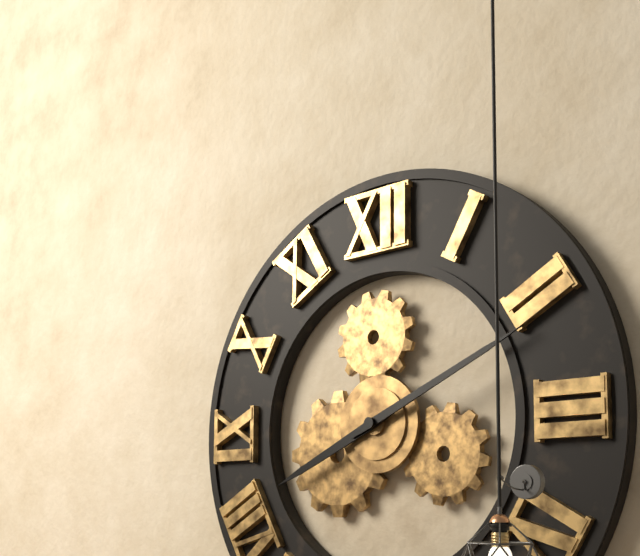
{"hour": 8, "minute": 11}
